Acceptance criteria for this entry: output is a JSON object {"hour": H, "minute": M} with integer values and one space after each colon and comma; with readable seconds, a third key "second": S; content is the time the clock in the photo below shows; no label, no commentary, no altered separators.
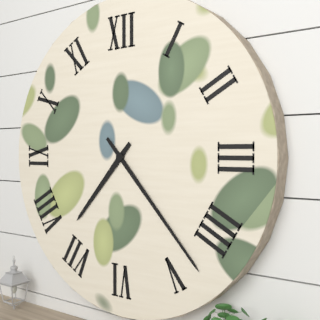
{"hour": 7, "minute": 23}
